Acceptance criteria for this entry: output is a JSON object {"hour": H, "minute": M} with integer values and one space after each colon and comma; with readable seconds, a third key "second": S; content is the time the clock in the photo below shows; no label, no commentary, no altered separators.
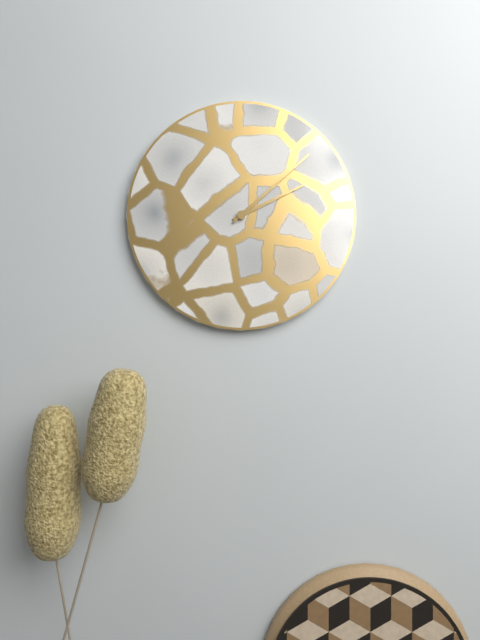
{"hour": 2, "minute": 8}
